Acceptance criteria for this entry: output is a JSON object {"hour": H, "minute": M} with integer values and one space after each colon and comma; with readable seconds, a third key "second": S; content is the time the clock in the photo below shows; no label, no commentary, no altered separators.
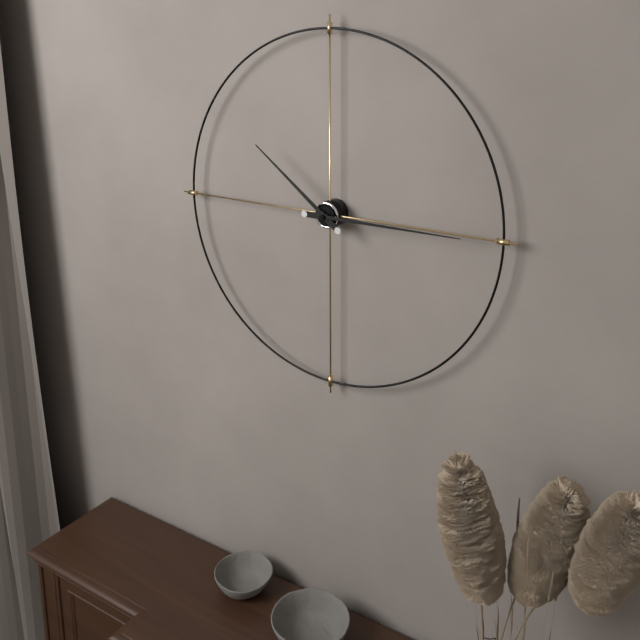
{"hour": 10, "minute": 15}
